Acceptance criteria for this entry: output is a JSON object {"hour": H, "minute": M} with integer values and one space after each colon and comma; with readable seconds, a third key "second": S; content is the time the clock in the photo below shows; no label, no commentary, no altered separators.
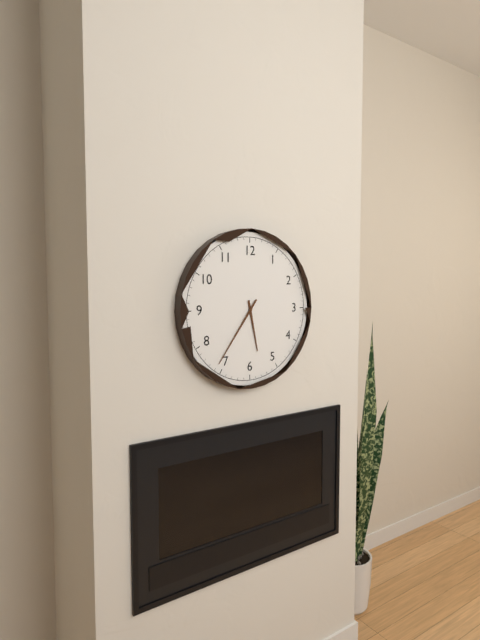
{"hour": 5, "minute": 36}
